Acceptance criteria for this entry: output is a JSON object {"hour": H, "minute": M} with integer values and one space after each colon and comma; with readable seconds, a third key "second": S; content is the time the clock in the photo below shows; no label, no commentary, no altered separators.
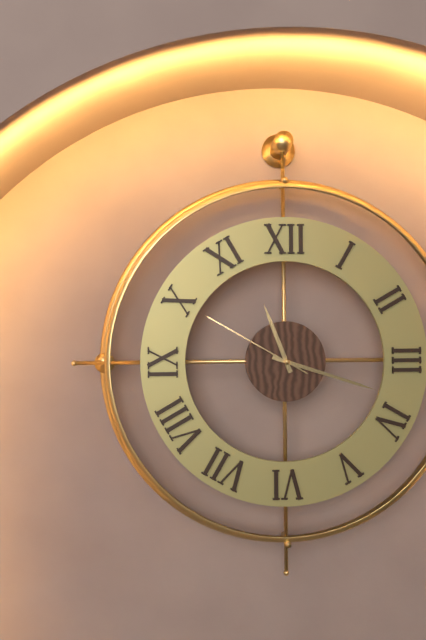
{"hour": 11, "minute": 18, "second": 50}
